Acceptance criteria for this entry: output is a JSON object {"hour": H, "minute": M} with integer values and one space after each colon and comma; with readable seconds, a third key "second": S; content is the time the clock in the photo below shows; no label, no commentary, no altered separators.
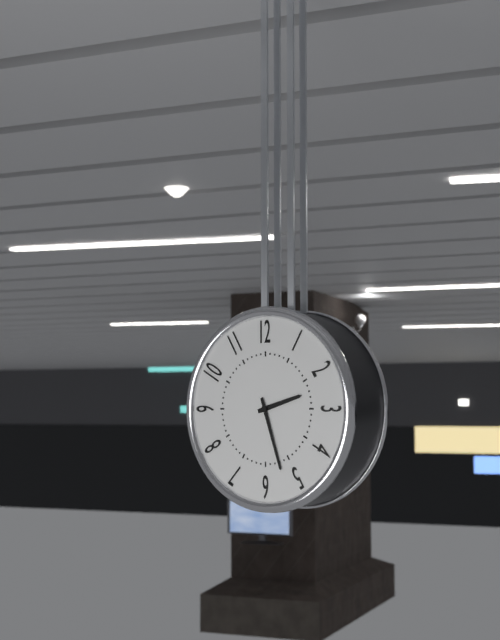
{"hour": 2, "minute": 27}
